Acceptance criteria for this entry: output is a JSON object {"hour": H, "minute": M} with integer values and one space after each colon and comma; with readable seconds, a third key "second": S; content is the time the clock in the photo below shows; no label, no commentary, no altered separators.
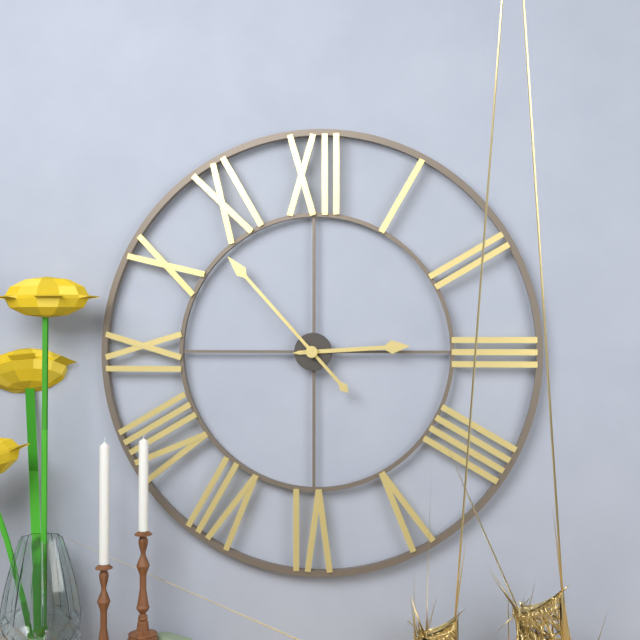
{"hour": 2, "minute": 53}
